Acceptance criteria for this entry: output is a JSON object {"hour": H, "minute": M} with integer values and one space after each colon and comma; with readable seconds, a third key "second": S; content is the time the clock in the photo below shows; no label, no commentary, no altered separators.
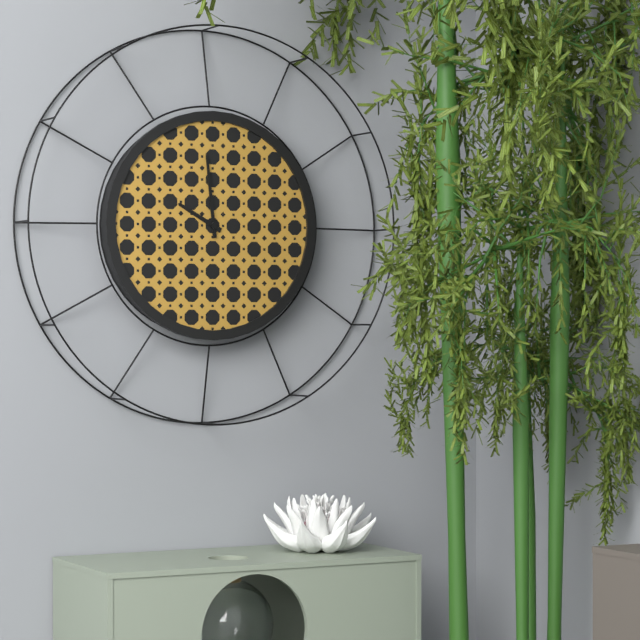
{"hour": 9, "minute": 59}
